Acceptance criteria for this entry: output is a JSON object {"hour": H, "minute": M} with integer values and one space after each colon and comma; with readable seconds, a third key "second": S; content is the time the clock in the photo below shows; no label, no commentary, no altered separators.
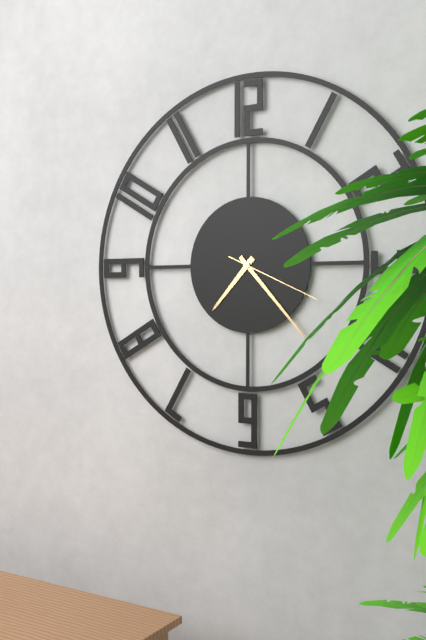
{"hour": 7, "minute": 23, "second": 19}
